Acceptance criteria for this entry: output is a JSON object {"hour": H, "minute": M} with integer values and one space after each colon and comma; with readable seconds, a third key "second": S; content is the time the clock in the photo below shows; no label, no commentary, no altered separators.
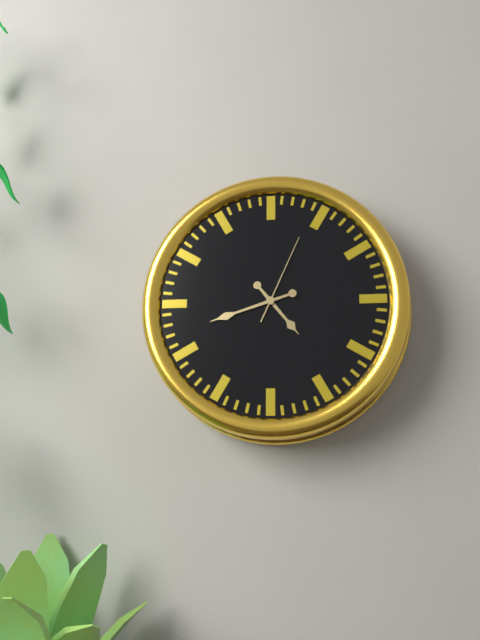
{"hour": 4, "minute": 42, "second": 4}
